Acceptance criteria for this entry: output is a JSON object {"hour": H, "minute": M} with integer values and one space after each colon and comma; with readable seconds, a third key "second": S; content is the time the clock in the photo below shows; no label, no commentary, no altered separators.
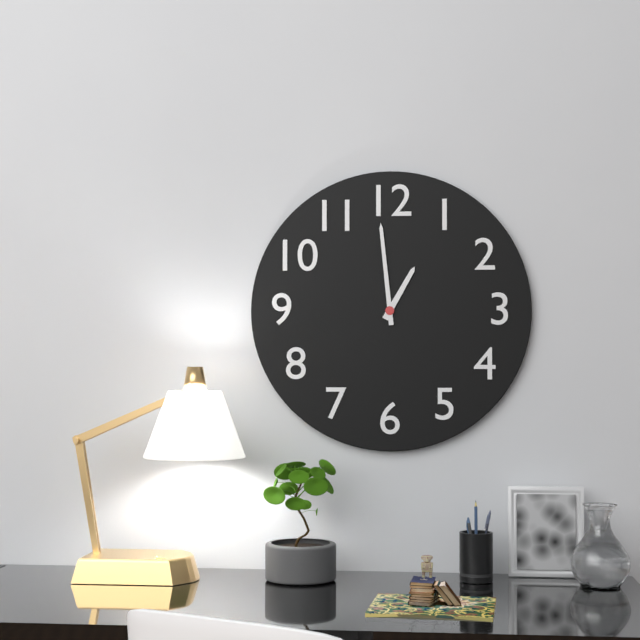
{"hour": 12, "minute": 59}
